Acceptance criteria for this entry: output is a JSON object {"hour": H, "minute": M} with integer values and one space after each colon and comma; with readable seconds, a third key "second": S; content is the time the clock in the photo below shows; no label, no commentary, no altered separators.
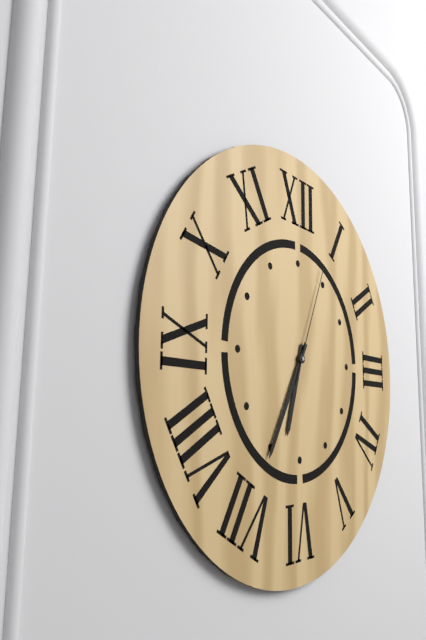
{"hour": 6, "minute": 35, "second": 4}
